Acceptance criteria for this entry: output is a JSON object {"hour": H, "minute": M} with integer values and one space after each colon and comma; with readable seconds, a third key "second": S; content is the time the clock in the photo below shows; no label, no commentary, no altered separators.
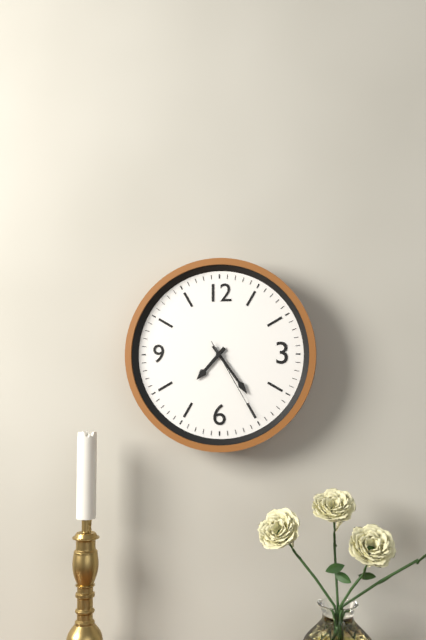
{"hour": 7, "minute": 24, "second": 25}
